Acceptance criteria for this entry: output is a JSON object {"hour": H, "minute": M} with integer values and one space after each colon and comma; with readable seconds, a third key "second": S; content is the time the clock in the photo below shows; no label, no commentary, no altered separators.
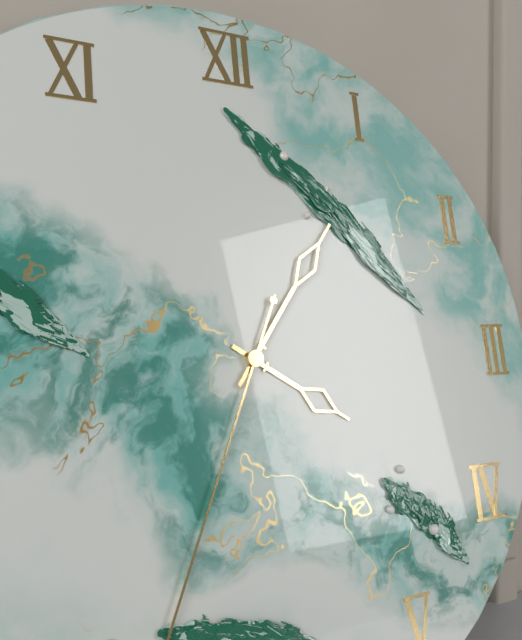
{"hour": 4, "minute": 6}
